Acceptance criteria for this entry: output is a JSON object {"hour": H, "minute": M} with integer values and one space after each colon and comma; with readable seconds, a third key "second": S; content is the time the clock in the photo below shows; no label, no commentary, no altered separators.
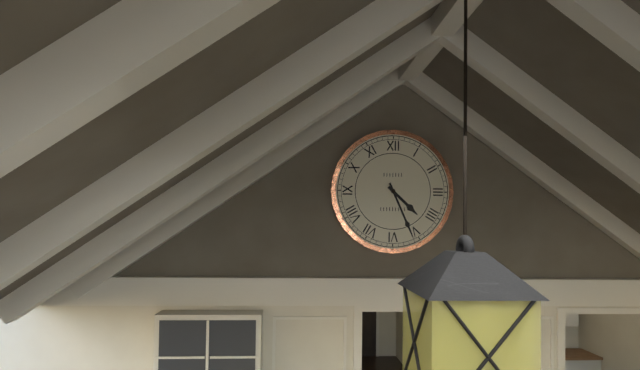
{"hour": 4, "minute": 26}
